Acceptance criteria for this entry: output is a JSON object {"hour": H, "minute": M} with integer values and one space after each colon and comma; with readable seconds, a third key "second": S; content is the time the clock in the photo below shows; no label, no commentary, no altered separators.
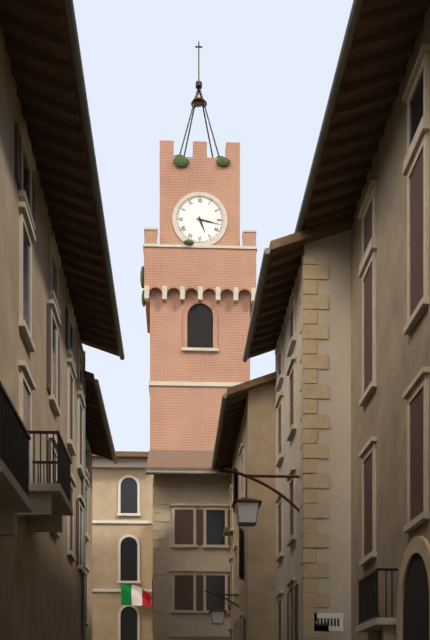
{"hour": 5, "minute": 17}
